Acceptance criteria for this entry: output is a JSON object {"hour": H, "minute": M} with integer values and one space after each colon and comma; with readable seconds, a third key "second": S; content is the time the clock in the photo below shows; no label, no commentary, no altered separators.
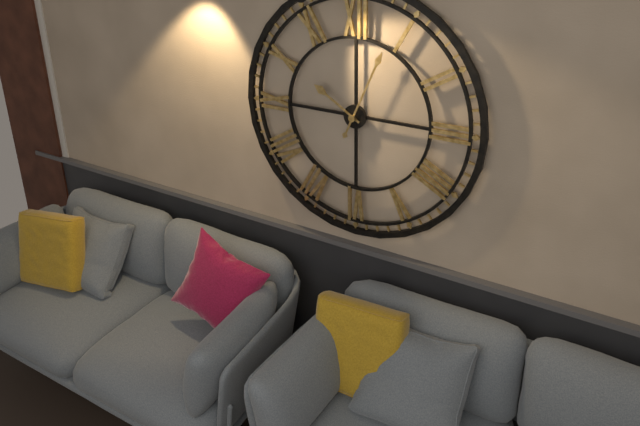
{"hour": 10, "minute": 4}
